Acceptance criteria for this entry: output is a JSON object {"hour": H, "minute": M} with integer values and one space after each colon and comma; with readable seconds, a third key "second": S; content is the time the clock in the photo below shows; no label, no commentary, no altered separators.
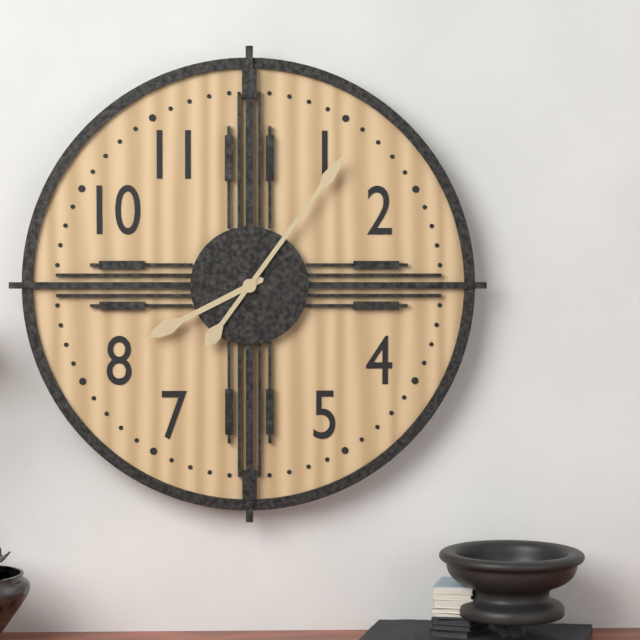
{"hour": 8, "minute": 6}
